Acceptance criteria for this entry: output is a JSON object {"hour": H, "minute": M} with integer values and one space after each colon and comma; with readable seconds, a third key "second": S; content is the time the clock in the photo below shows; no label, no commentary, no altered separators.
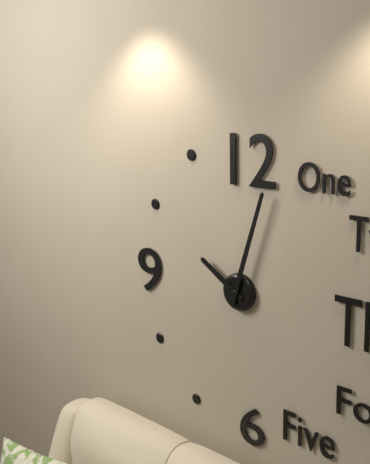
{"hour": 10, "minute": 3}
